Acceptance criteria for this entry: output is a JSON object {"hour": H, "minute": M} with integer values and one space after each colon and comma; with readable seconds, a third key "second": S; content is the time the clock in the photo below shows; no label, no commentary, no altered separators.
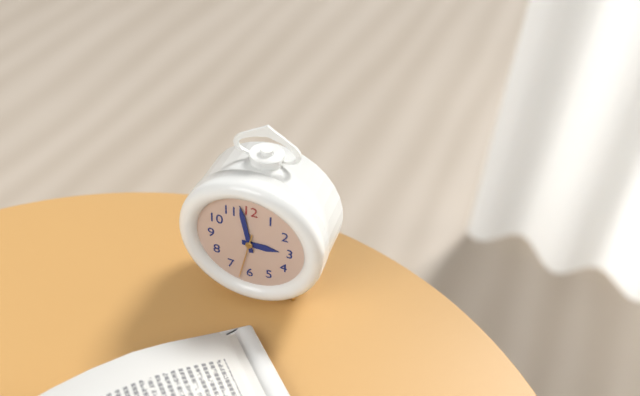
{"hour": 2, "minute": 58}
